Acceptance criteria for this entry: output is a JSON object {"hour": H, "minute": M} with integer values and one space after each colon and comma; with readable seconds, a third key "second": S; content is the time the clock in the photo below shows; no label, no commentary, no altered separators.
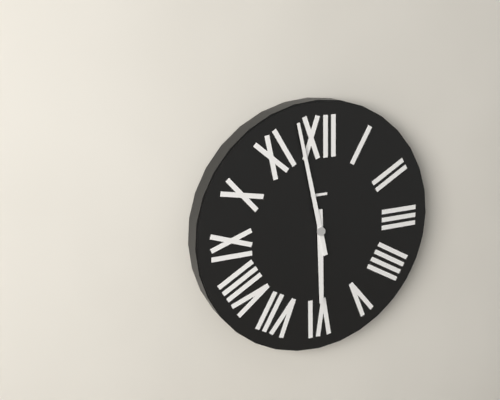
{"hour": 5, "minute": 58}
